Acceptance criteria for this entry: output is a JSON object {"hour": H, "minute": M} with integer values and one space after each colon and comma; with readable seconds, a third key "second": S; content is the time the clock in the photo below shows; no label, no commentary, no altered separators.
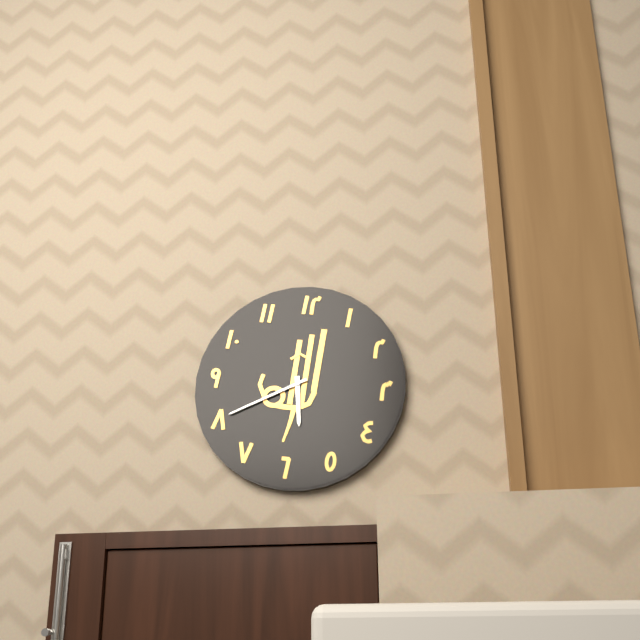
{"hour": 5, "minute": 40}
